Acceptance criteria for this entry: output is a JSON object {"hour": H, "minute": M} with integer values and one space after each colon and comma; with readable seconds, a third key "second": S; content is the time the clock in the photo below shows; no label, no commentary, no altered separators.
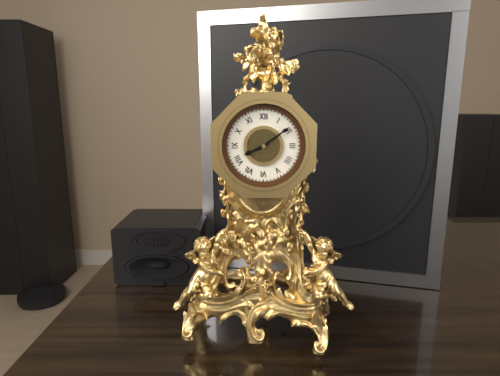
{"hour": 8, "minute": 9}
